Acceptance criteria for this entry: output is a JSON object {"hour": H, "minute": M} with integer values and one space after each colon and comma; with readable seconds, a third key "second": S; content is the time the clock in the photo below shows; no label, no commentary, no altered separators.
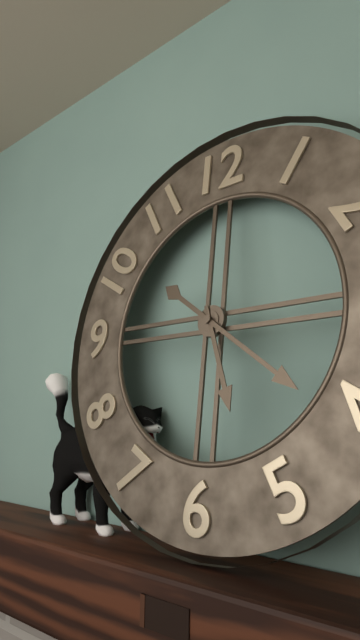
{"hour": 5, "minute": 21}
